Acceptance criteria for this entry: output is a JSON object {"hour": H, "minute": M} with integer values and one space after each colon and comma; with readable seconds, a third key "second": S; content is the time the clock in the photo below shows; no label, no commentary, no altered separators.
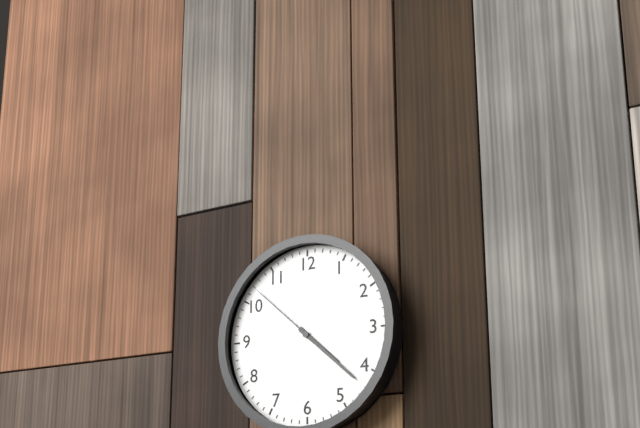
{"hour": 4, "minute": 22, "second": 52}
